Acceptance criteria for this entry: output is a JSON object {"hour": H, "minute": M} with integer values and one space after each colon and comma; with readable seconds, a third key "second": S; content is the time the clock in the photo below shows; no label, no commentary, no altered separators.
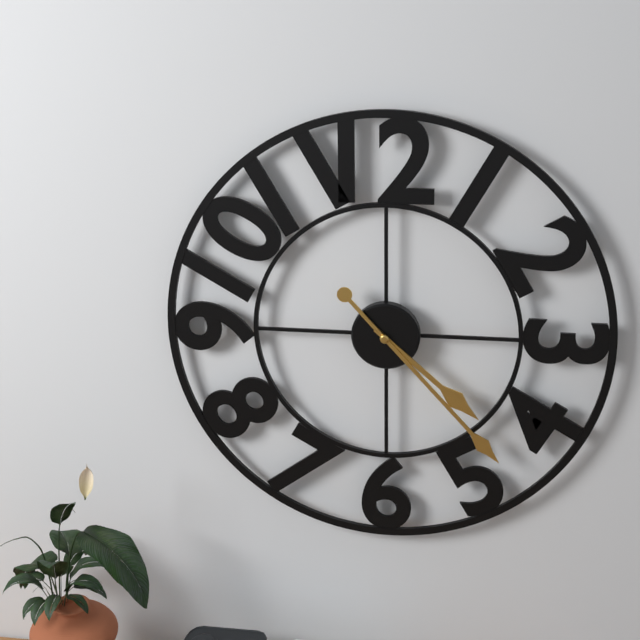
{"hour": 4, "minute": 23}
